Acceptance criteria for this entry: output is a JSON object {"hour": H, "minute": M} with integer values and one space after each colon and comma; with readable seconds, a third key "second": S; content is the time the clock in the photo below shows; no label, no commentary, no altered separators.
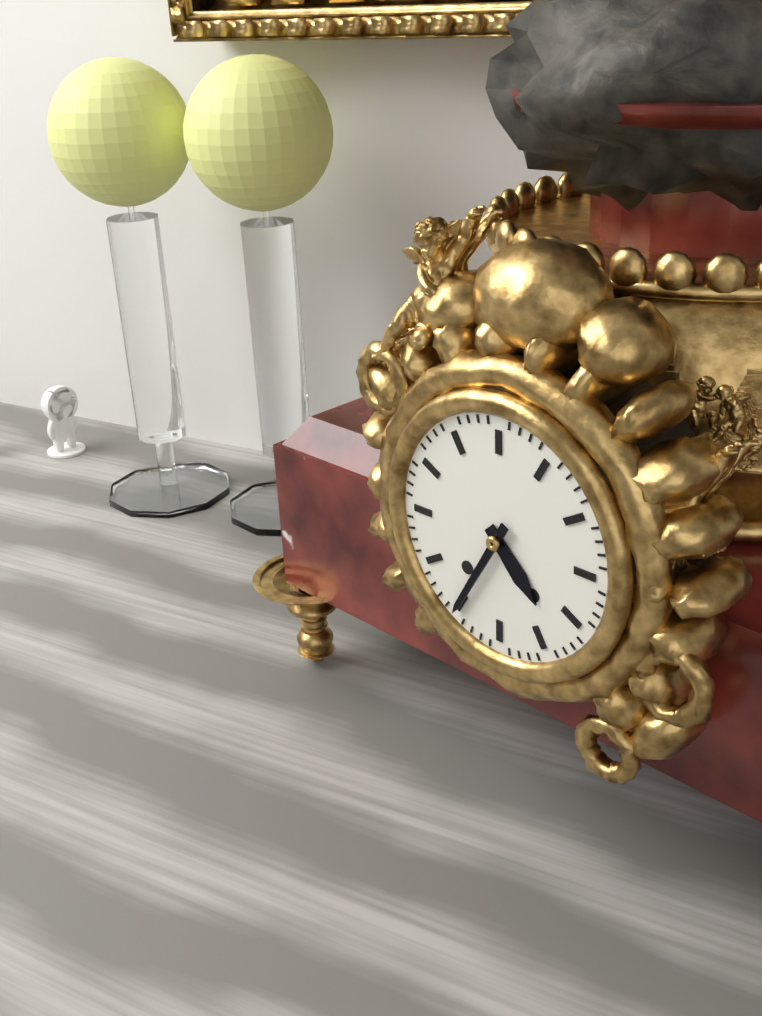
{"hour": 4, "minute": 35}
